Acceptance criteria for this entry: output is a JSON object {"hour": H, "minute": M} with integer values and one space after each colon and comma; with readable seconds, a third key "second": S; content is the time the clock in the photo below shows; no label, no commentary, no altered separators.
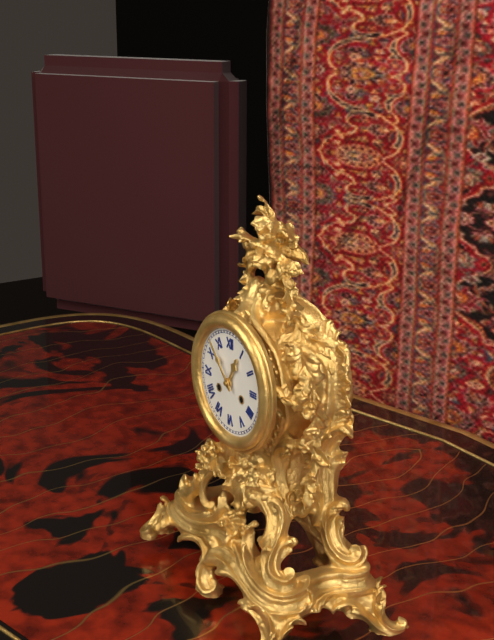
{"hour": 12, "minute": 53}
